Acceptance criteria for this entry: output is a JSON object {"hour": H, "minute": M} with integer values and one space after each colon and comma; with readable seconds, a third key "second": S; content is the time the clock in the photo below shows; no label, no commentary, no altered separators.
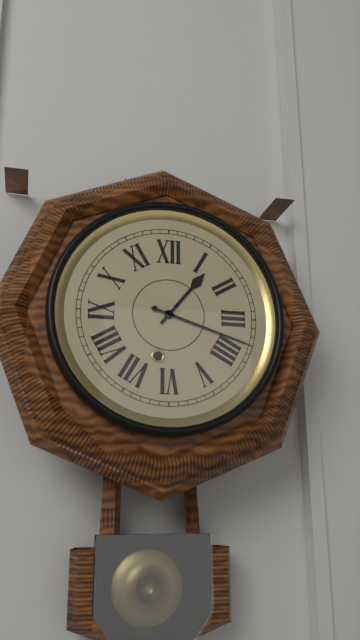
{"hour": 1, "minute": 18}
